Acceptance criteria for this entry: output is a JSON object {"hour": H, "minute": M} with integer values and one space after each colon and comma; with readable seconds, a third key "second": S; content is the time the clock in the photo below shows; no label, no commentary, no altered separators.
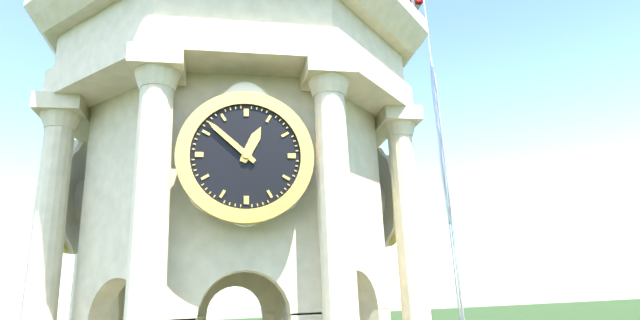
{"hour": 12, "minute": 52}
